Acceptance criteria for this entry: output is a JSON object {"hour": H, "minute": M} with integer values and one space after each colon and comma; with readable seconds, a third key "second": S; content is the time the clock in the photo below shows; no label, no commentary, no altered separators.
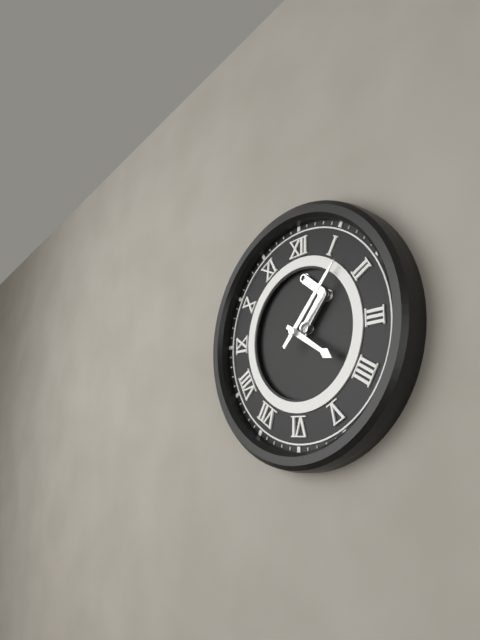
{"hour": 4, "minute": 7}
